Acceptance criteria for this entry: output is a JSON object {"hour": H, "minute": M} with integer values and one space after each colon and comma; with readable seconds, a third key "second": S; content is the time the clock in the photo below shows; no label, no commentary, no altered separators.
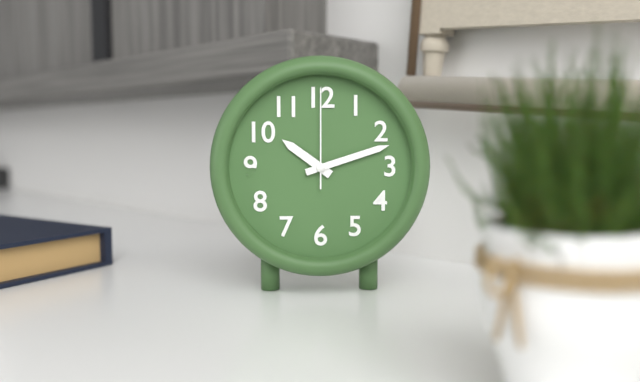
{"hour": 10, "minute": 12, "second": 0}
